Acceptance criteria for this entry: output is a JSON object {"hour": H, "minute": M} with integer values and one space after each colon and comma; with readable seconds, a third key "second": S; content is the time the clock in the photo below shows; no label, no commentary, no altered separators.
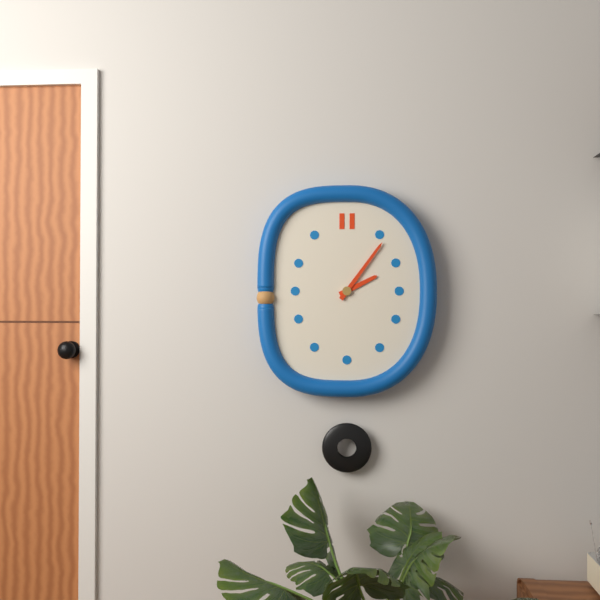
{"hour": 2, "minute": 6}
